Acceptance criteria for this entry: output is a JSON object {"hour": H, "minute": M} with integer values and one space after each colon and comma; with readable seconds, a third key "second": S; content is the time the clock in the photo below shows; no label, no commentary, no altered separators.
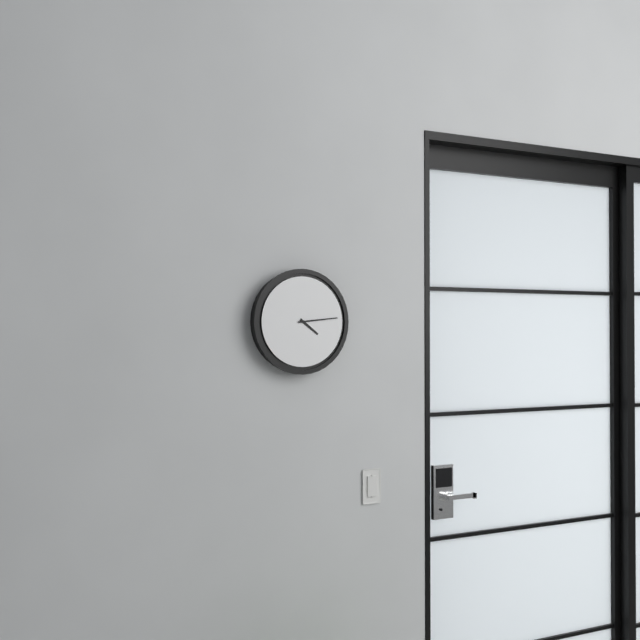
{"hour": 4, "minute": 14}
